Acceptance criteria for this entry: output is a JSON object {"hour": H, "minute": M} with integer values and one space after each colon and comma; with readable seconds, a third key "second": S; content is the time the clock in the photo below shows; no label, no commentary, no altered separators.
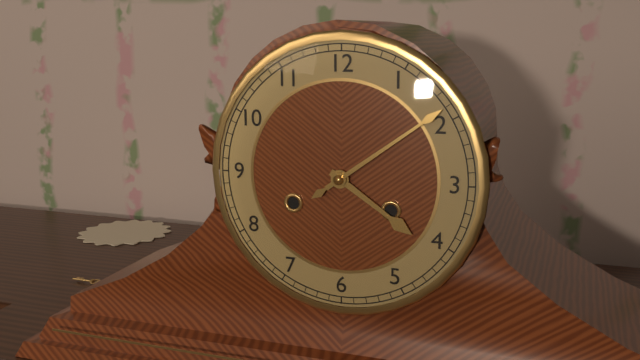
{"hour": 4, "minute": 9}
